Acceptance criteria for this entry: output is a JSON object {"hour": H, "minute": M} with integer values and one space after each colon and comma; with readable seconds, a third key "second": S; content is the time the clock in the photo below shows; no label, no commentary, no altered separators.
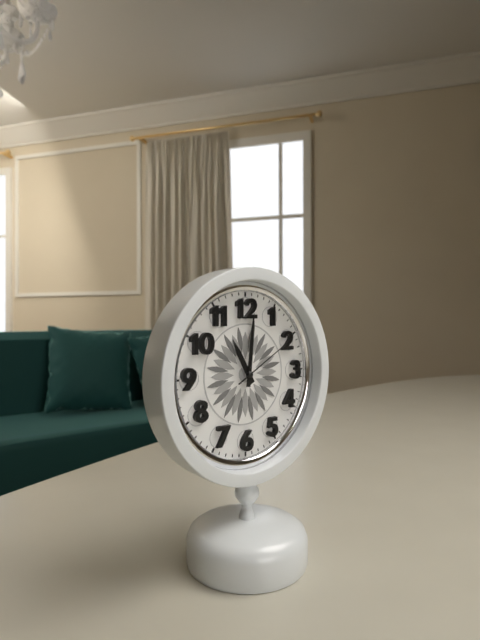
{"hour": 11, "minute": 1, "second": 10}
